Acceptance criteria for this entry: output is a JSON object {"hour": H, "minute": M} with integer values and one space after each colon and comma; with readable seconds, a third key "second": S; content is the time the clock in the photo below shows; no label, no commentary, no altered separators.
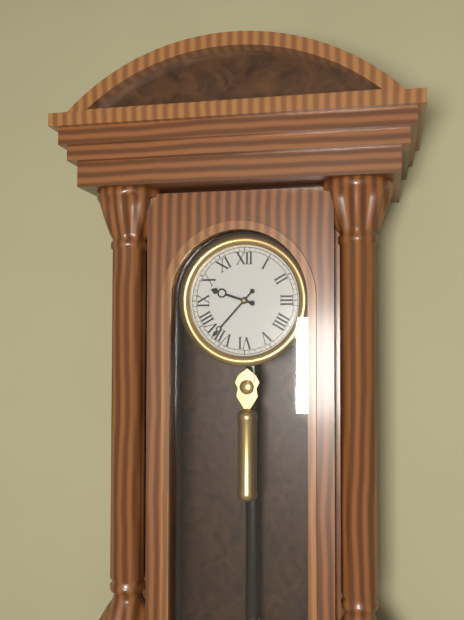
{"hour": 9, "minute": 37}
